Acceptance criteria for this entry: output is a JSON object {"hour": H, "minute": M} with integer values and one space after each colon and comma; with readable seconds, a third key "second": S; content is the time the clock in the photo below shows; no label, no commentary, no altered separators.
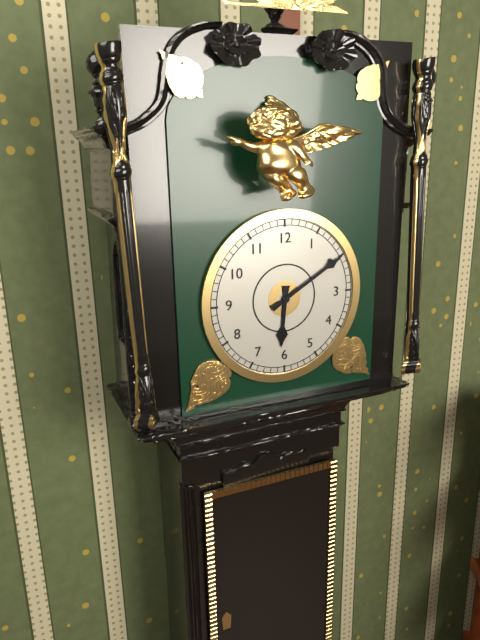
{"hour": 6, "minute": 10}
